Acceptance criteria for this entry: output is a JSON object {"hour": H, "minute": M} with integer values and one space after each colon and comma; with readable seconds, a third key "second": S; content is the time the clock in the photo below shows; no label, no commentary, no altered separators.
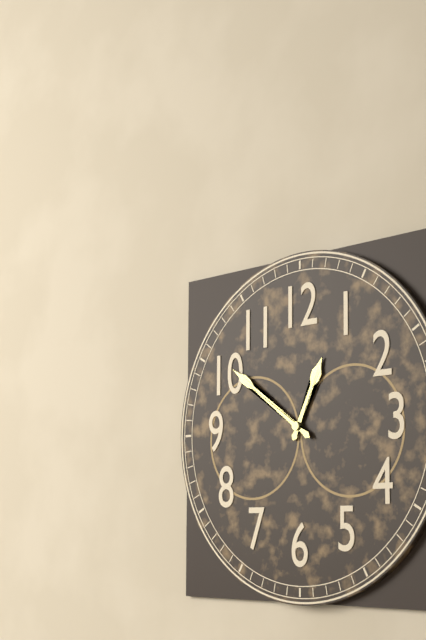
{"hour": 12, "minute": 51}
